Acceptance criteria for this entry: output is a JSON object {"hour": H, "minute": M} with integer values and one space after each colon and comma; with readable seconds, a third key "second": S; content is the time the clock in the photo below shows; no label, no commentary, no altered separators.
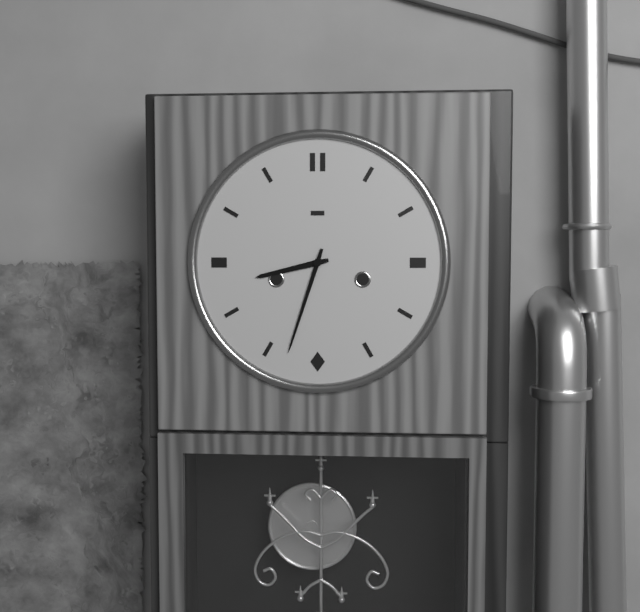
{"hour": 8, "minute": 33}
